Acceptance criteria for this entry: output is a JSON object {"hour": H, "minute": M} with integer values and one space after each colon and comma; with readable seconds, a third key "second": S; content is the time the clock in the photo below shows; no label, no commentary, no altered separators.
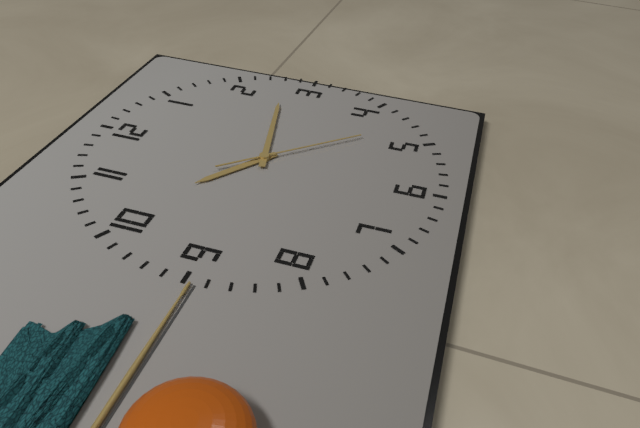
{"hour": 10, "minute": 13, "second": 23}
